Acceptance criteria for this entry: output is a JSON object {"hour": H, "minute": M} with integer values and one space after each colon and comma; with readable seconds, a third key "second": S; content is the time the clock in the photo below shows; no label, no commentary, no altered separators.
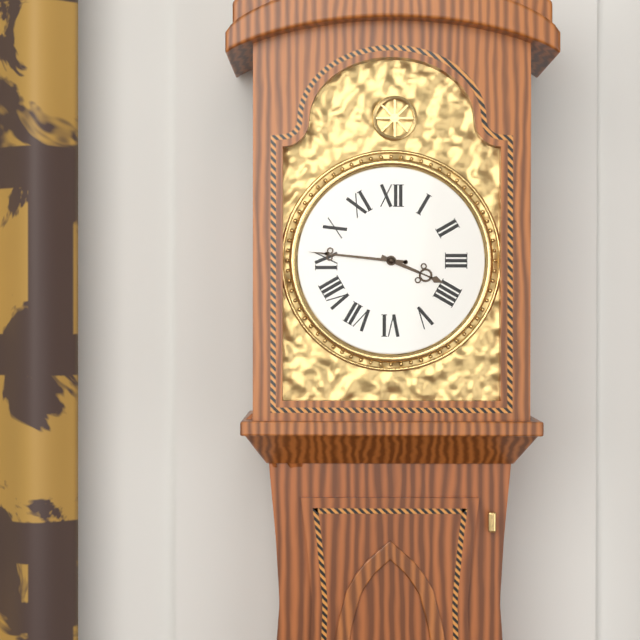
{"hour": 3, "minute": 46}
